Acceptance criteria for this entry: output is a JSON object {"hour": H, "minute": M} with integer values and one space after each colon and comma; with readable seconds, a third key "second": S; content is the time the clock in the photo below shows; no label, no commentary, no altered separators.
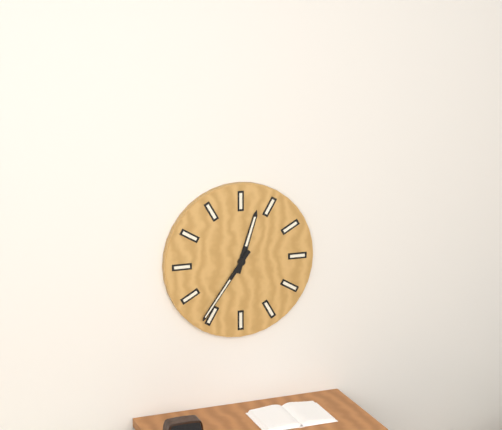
{"hour": 12, "minute": 36}
